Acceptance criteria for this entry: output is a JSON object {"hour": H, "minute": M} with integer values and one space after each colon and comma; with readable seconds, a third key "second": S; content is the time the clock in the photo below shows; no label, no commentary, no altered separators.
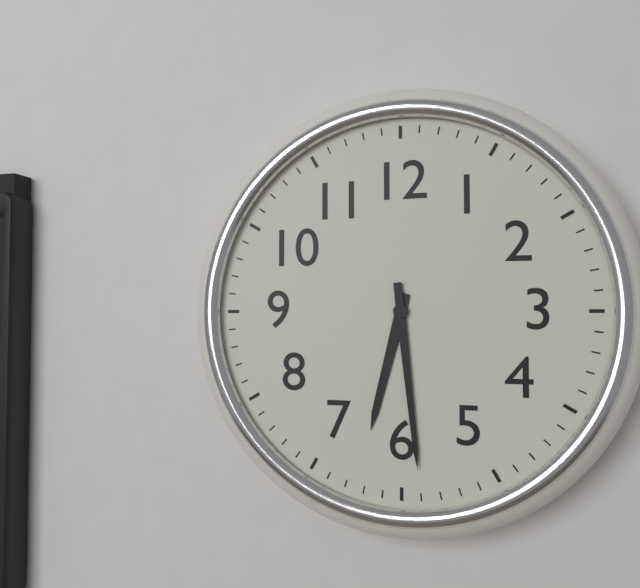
{"hour": 6, "minute": 29}
